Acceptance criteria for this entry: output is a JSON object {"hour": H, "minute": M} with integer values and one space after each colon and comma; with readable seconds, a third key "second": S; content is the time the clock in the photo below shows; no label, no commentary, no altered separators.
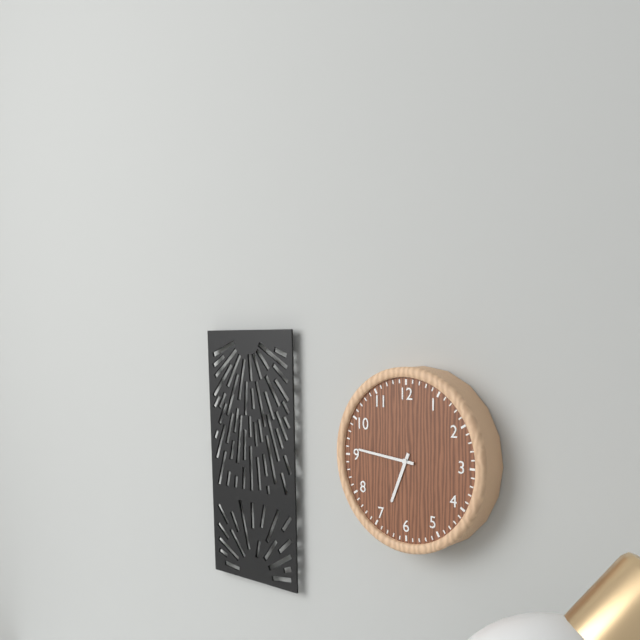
{"hour": 6, "minute": 46}
